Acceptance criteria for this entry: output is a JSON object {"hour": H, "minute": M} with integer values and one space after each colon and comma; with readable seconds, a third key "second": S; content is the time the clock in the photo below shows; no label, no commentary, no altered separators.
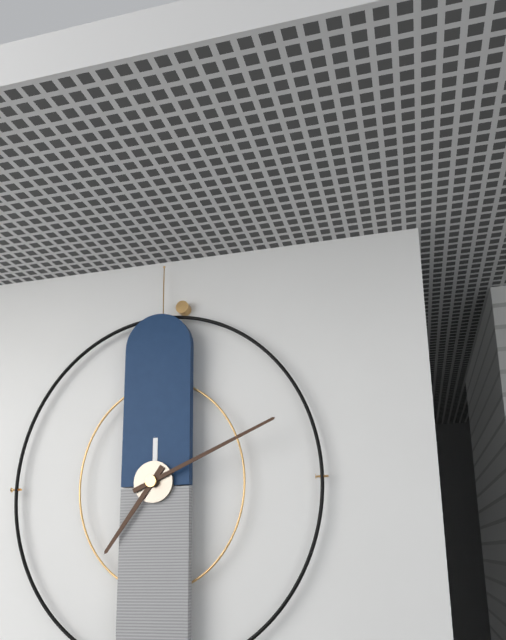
{"hour": 7, "minute": 11}
